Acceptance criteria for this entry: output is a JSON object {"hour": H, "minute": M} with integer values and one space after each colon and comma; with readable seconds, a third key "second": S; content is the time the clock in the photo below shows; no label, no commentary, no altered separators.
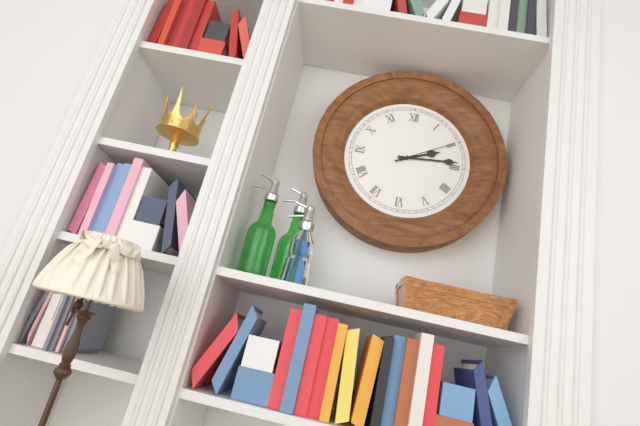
{"hour": 2, "minute": 14, "second": 10}
